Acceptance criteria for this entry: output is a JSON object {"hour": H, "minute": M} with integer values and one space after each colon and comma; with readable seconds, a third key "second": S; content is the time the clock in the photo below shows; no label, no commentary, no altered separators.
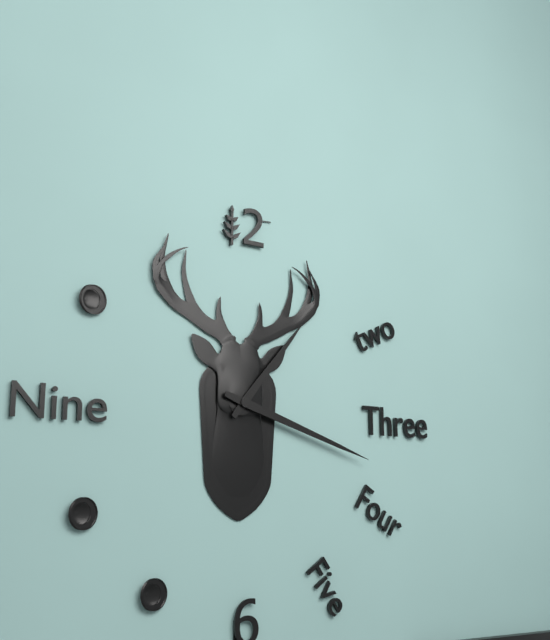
{"hour": 1, "minute": 18}
